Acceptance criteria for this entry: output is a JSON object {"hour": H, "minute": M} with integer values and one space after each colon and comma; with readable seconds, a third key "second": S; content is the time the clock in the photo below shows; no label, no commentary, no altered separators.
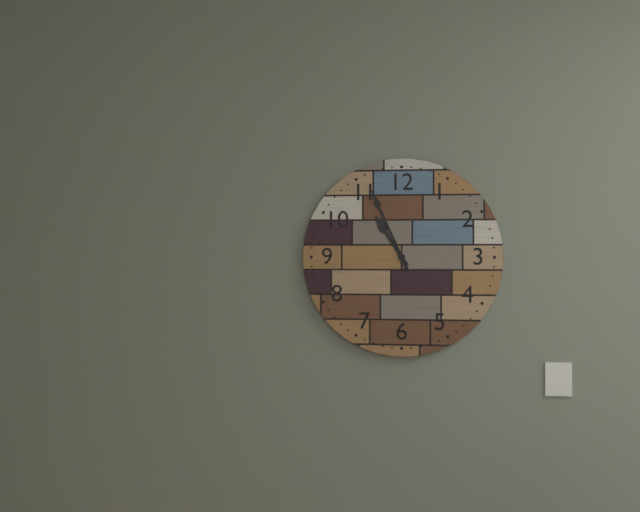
{"hour": 10, "minute": 56}
